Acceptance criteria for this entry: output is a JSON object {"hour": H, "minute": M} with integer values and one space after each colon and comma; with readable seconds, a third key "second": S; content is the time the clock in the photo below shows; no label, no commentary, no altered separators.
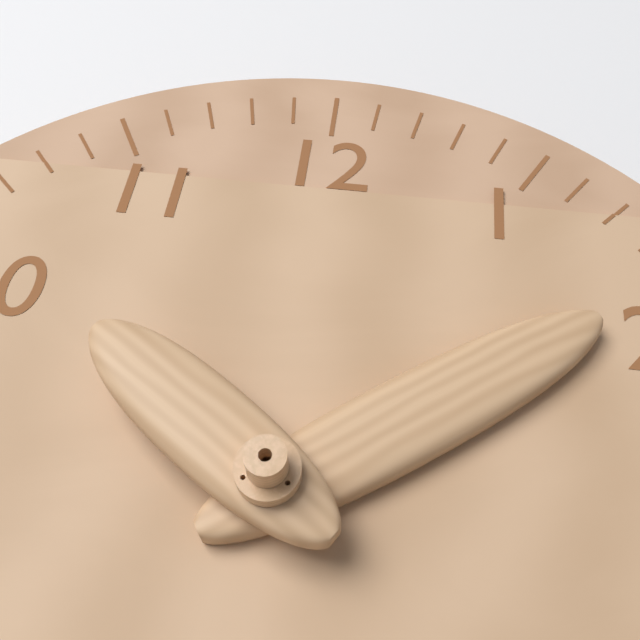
{"hour": 10, "minute": 9}
